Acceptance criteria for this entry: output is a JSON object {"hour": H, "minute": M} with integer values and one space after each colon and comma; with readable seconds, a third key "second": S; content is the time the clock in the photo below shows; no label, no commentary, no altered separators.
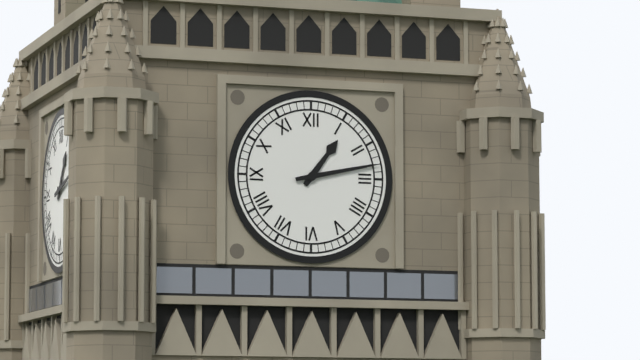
{"hour": 1, "minute": 13}
